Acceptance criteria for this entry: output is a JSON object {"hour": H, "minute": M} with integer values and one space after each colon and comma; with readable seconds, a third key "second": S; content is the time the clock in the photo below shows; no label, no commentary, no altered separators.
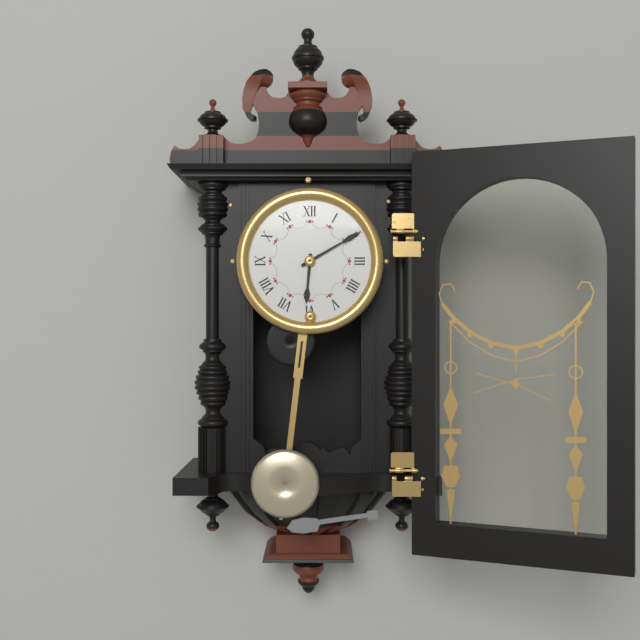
{"hour": 6, "minute": 10}
